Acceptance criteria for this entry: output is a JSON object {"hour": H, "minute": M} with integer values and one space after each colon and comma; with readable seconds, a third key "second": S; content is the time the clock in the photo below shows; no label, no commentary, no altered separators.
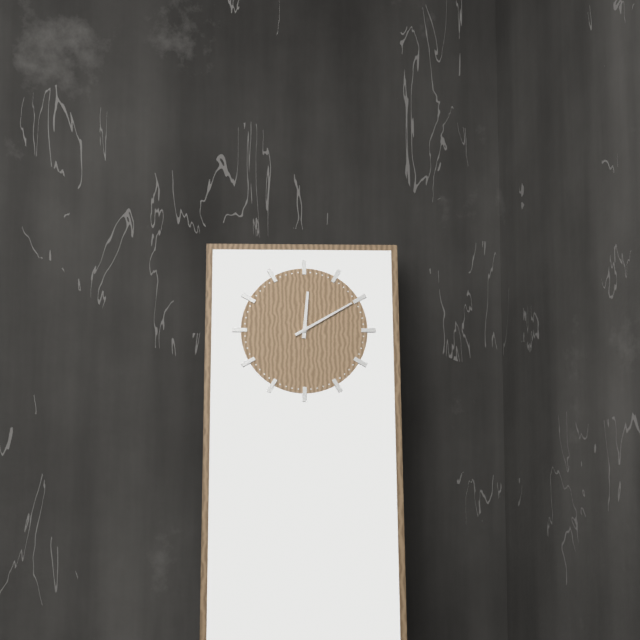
{"hour": 12, "minute": 10}
